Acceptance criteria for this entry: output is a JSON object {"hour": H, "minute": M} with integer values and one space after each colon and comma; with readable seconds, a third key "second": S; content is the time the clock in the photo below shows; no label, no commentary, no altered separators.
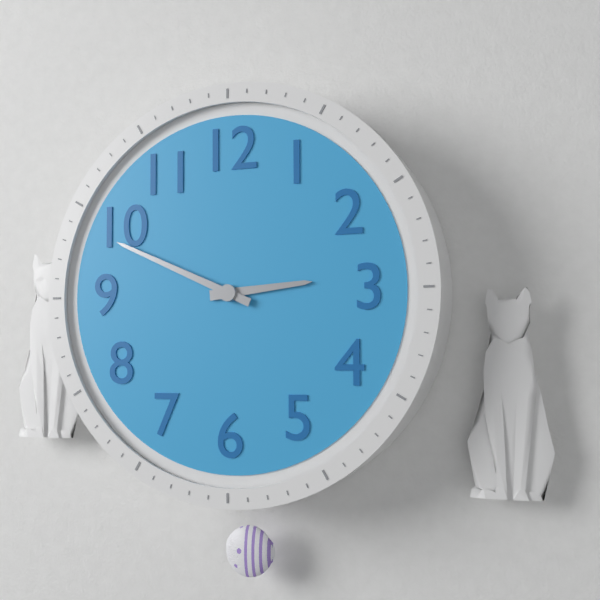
{"hour": 2, "minute": 49}
